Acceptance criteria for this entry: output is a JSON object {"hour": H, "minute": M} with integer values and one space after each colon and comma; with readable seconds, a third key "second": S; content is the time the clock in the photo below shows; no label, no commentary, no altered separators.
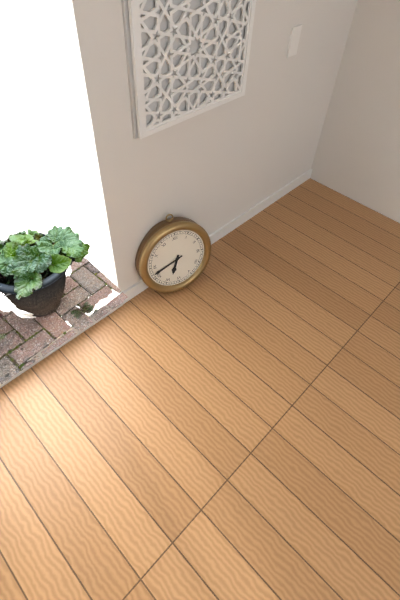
{"hour": 6, "minute": 42}
